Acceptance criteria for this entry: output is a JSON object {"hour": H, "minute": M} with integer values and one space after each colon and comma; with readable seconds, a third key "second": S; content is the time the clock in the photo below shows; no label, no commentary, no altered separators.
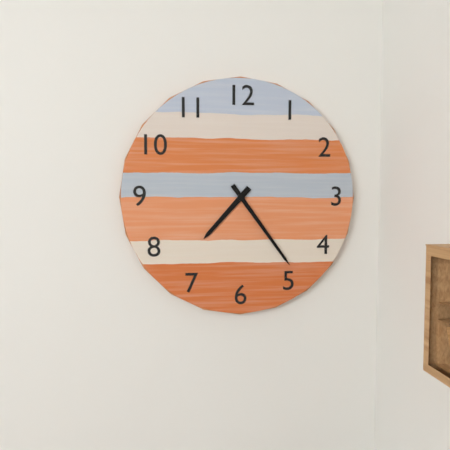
{"hour": 7, "minute": 24}
